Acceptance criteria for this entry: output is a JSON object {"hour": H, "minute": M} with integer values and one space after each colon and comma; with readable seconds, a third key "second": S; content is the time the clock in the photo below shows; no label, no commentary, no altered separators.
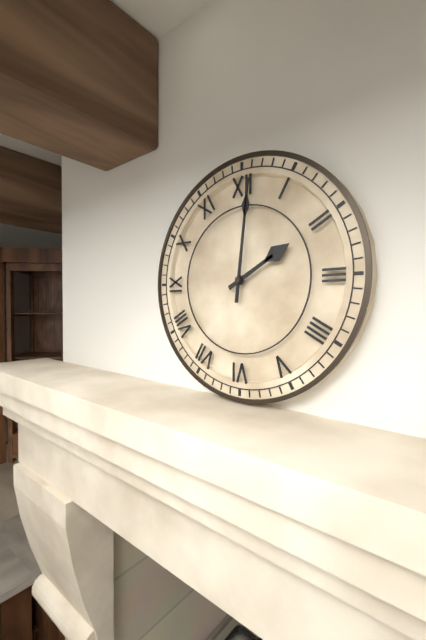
{"hour": 2, "minute": 1}
